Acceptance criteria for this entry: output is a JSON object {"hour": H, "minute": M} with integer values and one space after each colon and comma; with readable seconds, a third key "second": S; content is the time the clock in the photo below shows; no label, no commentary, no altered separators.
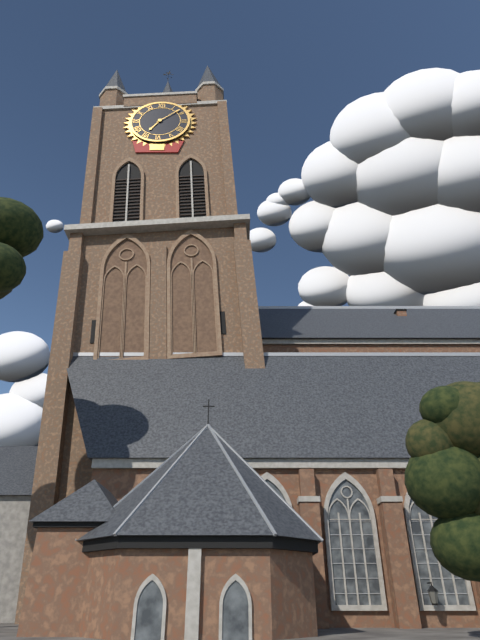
{"hour": 7, "minute": 8}
